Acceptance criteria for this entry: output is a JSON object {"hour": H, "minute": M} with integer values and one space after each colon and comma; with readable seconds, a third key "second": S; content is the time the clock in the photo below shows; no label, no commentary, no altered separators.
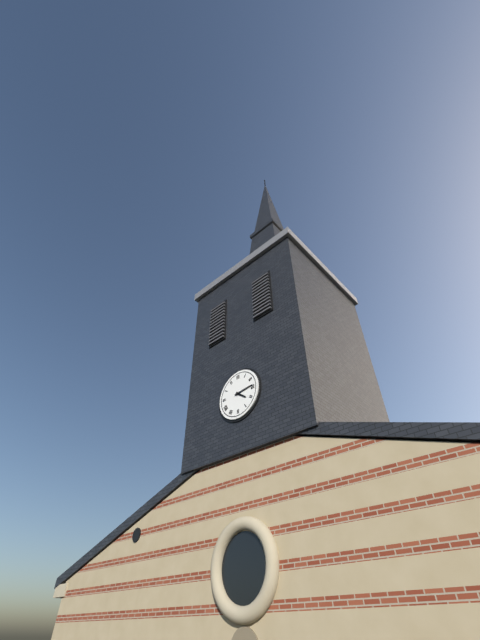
{"hour": 4, "minute": 14}
